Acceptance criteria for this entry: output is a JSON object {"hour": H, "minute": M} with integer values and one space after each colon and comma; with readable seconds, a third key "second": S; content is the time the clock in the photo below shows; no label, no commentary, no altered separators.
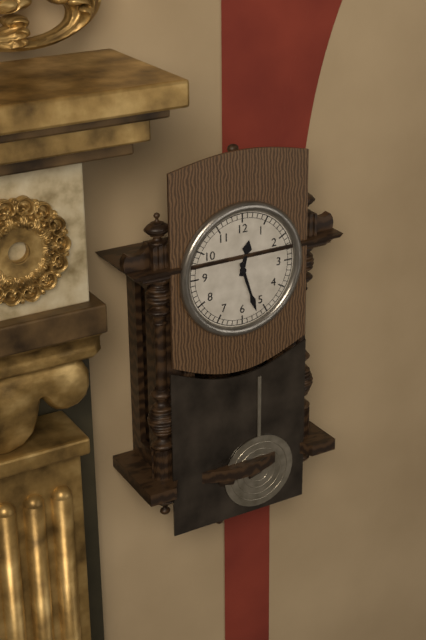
{"hour": 12, "minute": 27}
